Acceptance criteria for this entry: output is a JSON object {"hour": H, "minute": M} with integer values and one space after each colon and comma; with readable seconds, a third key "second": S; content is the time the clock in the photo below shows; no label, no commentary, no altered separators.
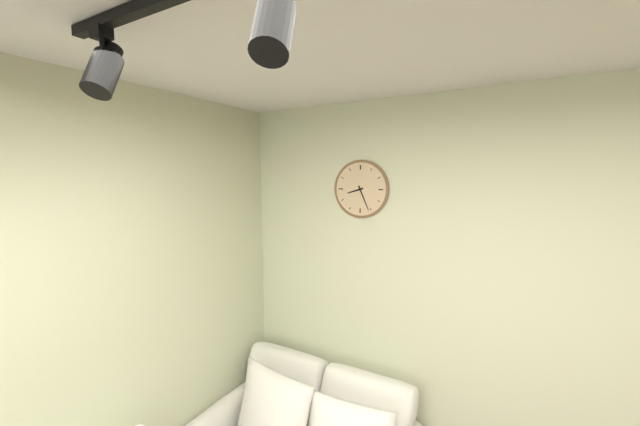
{"hour": 8, "minute": 26}
